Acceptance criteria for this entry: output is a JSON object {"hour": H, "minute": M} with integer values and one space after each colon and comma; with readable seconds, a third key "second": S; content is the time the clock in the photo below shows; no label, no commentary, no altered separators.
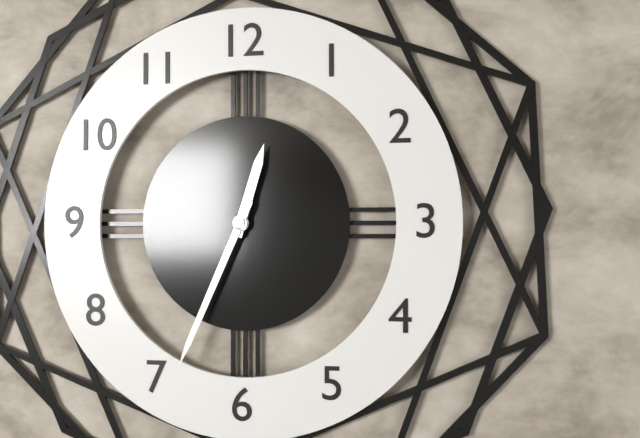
{"hour": 12, "minute": 34}
